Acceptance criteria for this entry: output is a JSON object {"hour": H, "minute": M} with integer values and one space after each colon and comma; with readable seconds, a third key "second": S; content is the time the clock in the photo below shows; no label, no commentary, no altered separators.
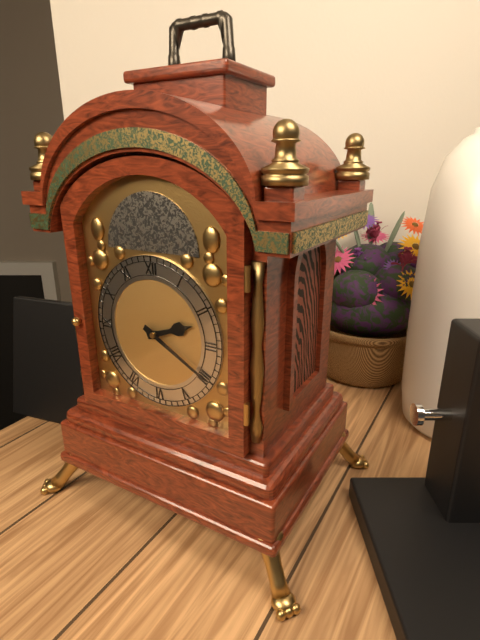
{"hour": 2, "minute": 20}
